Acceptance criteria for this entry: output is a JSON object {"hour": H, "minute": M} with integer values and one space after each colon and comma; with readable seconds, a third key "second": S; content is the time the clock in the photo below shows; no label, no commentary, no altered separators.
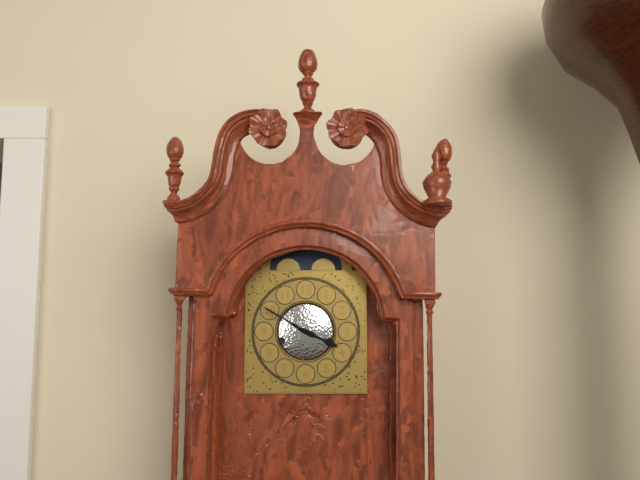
{"hour": 3, "minute": 50}
